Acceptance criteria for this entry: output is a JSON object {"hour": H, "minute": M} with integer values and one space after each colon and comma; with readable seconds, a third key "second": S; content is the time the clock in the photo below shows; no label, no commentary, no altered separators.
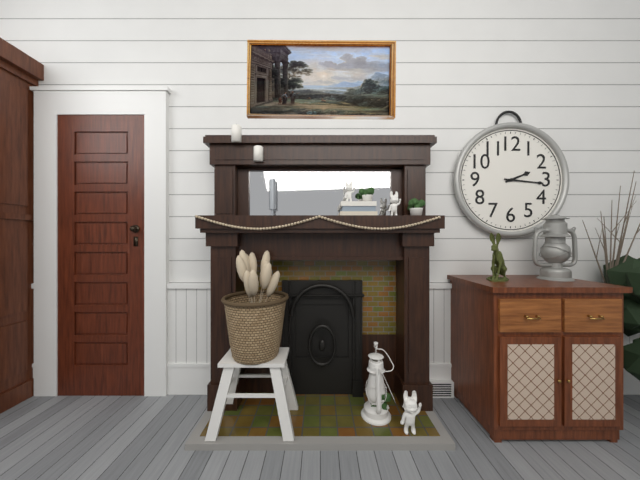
{"hour": 2, "minute": 16}
